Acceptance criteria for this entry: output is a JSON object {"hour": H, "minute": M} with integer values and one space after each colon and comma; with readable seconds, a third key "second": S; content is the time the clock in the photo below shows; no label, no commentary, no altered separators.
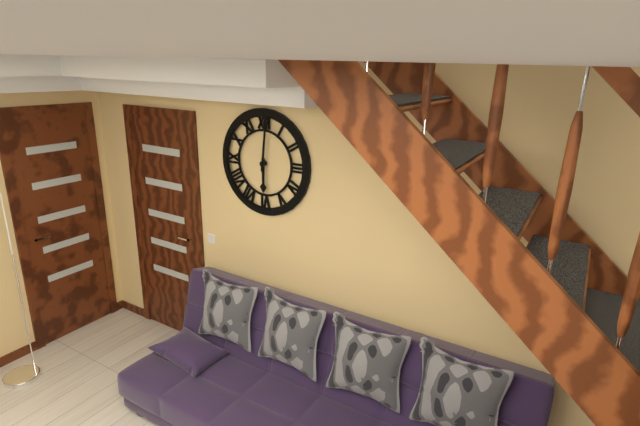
{"hour": 6, "minute": 1}
